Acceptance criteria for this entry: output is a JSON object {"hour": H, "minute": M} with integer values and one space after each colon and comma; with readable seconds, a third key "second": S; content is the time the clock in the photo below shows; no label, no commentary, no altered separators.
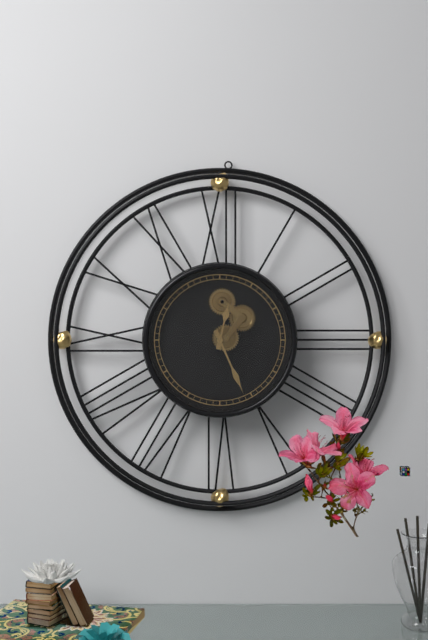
{"hour": 12, "minute": 26}
